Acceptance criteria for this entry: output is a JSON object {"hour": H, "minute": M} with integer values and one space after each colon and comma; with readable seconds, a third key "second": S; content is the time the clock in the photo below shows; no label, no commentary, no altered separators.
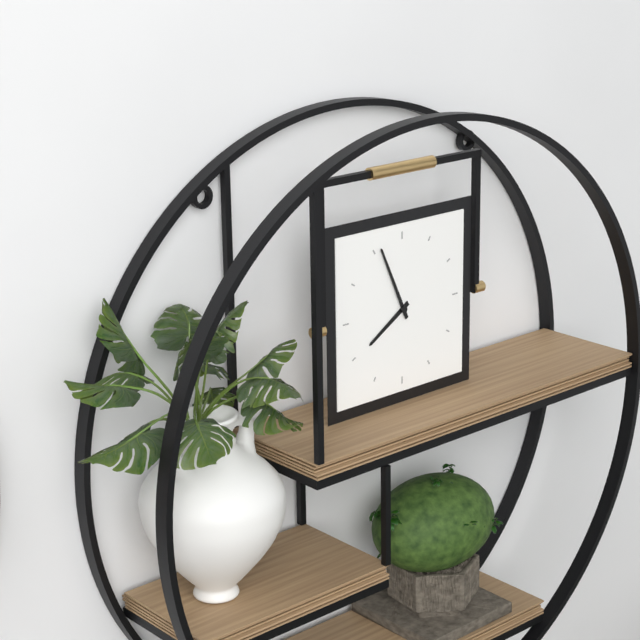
{"hour": 7, "minute": 56}
